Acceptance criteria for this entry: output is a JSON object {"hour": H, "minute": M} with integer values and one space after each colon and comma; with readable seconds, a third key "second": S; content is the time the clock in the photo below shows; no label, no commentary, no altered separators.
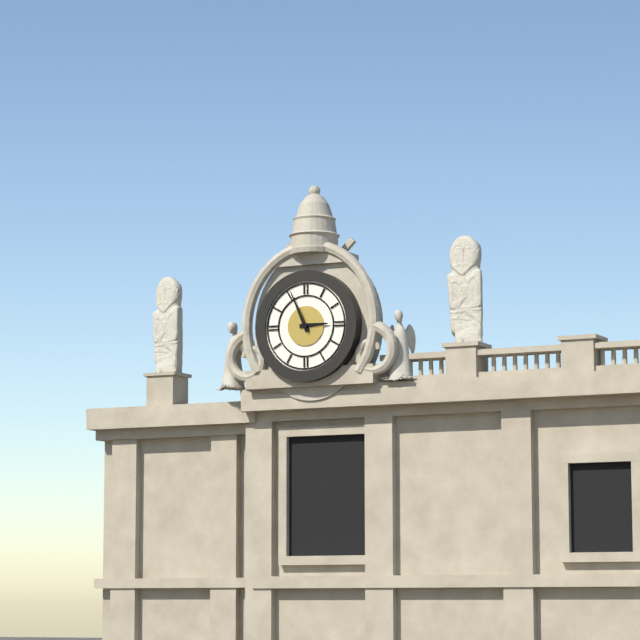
{"hour": 2, "minute": 56}
